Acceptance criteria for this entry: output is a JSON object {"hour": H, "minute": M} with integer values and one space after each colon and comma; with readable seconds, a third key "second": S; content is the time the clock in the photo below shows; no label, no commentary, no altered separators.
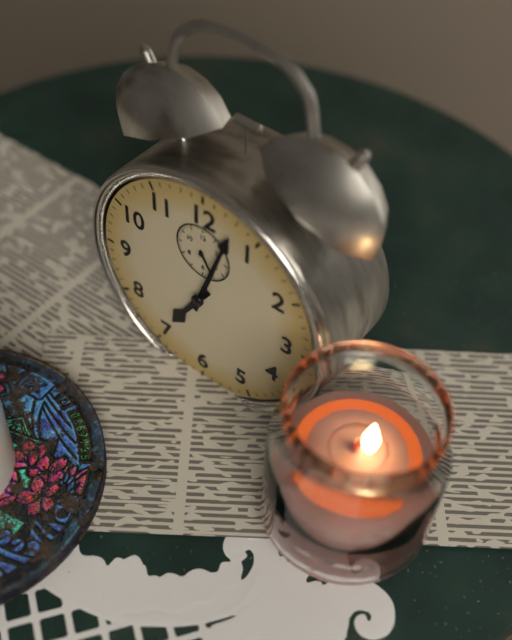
{"hour": 7, "minute": 3}
